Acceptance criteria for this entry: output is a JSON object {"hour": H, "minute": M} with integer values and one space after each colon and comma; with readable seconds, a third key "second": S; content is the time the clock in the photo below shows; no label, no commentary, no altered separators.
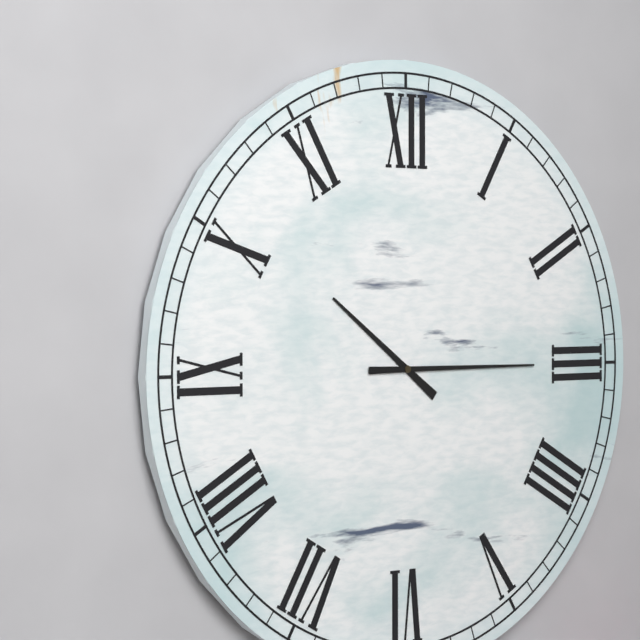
{"hour": 10, "minute": 15}
